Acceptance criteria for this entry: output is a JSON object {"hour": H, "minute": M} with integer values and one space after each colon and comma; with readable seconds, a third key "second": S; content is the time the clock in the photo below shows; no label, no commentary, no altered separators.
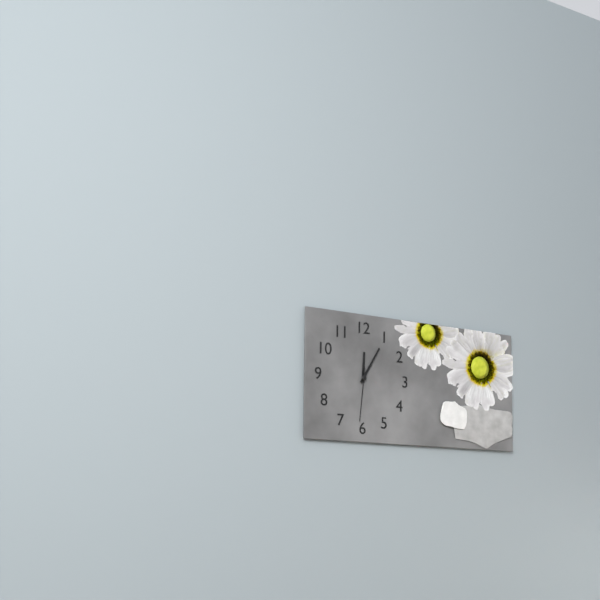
{"hour": 12, "minute": 5, "second": 31}
